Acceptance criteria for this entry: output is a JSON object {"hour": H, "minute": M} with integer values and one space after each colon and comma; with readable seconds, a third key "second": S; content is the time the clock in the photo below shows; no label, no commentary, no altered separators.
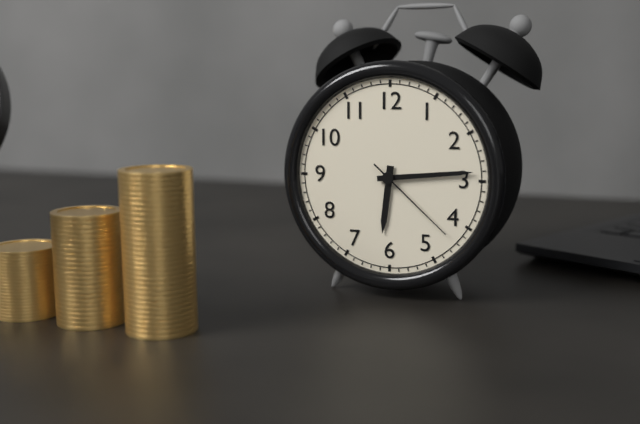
{"hour": 6, "minute": 14, "second": 22}
